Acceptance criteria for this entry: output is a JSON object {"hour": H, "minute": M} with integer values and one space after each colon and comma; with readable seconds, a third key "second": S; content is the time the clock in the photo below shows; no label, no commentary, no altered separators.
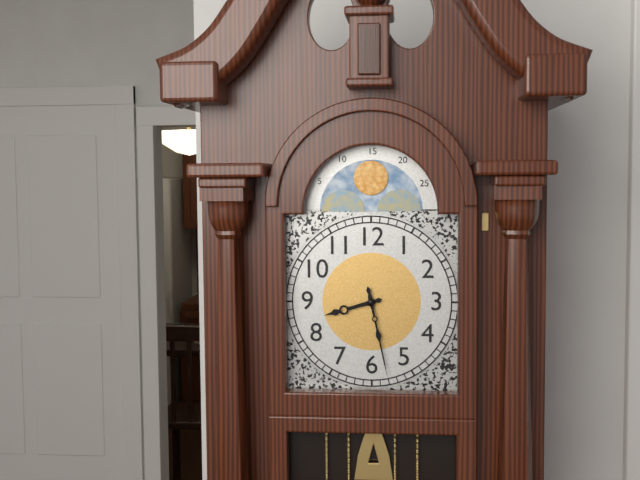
{"hour": 8, "minute": 28}
